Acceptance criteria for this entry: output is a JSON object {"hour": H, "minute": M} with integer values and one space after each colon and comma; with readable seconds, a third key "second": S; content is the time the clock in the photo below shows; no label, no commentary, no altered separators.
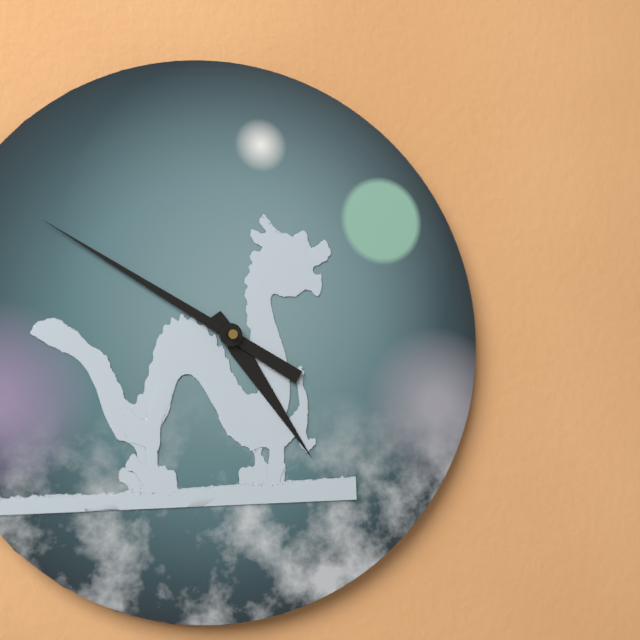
{"hour": 4, "minute": 50}
